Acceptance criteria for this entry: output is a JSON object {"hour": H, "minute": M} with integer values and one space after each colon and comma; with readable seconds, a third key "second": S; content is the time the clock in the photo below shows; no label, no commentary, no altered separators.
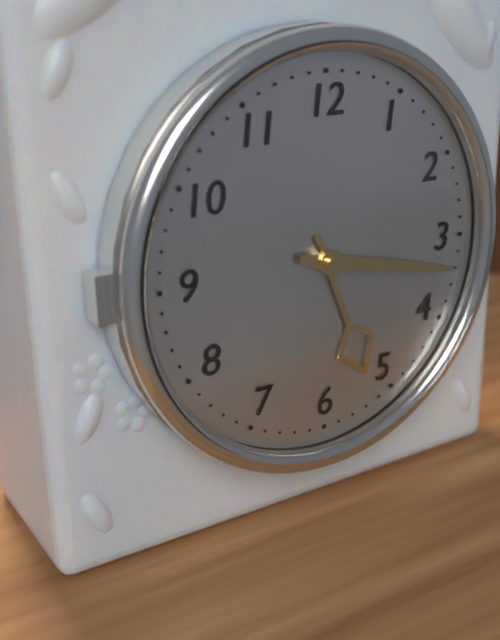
{"hour": 5, "minute": 17}
